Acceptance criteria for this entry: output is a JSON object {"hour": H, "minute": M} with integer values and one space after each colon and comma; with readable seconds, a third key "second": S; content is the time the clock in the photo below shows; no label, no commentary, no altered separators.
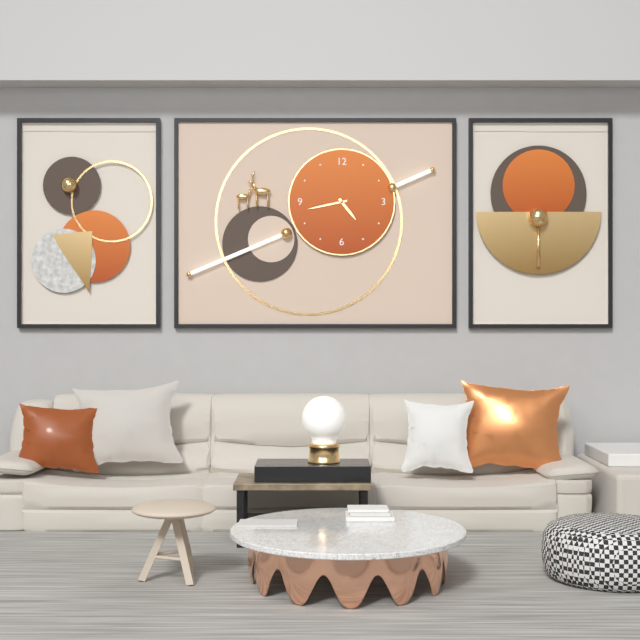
{"hour": 4, "minute": 43}
